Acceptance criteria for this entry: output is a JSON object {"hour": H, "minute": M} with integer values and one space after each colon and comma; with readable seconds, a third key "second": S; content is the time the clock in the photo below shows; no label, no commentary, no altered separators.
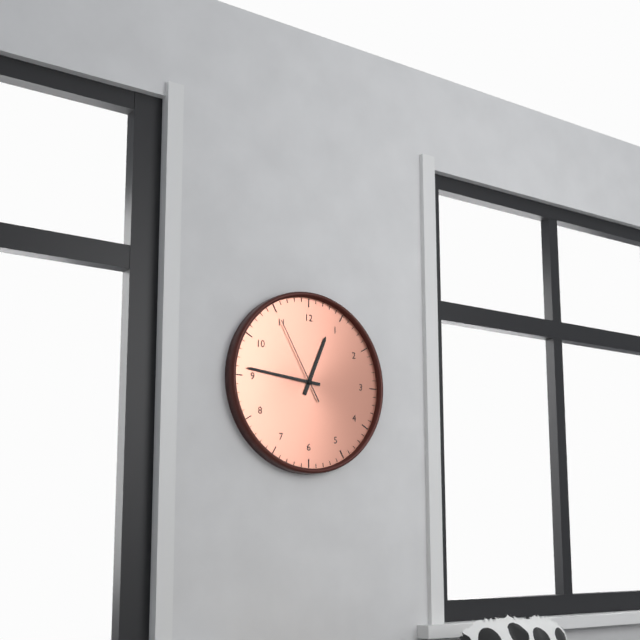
{"hour": 12, "minute": 46, "second": 55}
